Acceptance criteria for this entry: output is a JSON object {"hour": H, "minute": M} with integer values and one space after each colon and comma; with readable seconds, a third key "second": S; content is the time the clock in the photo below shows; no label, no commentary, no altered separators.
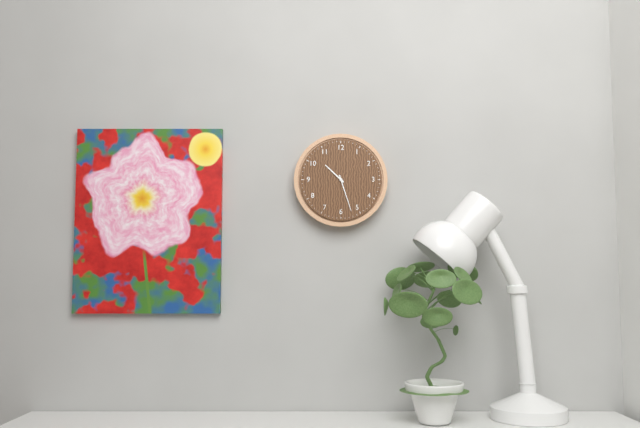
{"hour": 10, "minute": 27}
